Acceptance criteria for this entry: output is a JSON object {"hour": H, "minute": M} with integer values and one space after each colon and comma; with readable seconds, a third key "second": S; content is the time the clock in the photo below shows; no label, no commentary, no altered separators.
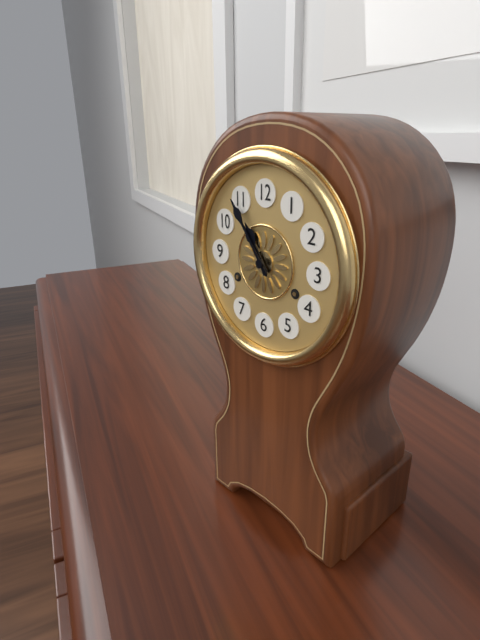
{"hour": 10, "minute": 54}
